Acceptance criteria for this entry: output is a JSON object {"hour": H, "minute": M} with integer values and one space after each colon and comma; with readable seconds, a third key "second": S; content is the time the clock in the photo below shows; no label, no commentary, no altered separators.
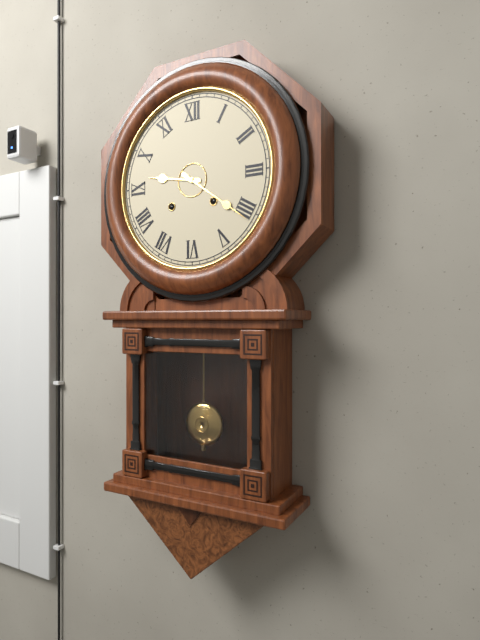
{"hour": 9, "minute": 21}
